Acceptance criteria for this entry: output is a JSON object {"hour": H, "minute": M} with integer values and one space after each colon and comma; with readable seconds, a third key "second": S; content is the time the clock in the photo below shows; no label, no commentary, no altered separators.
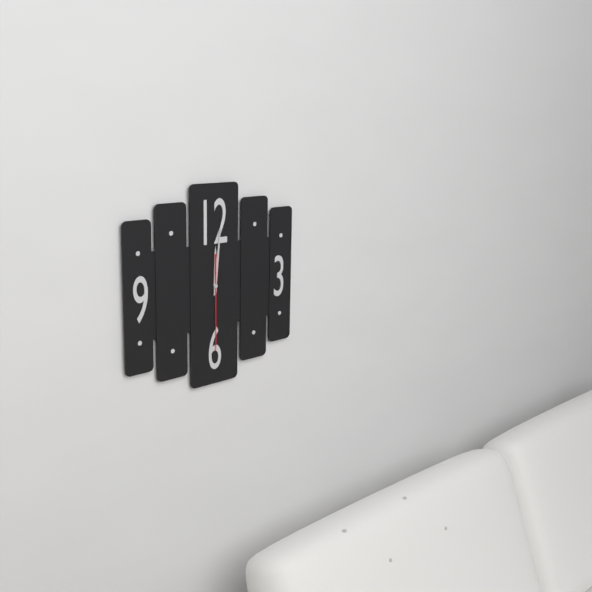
{"hour": 12, "minute": 1, "second": 30}
